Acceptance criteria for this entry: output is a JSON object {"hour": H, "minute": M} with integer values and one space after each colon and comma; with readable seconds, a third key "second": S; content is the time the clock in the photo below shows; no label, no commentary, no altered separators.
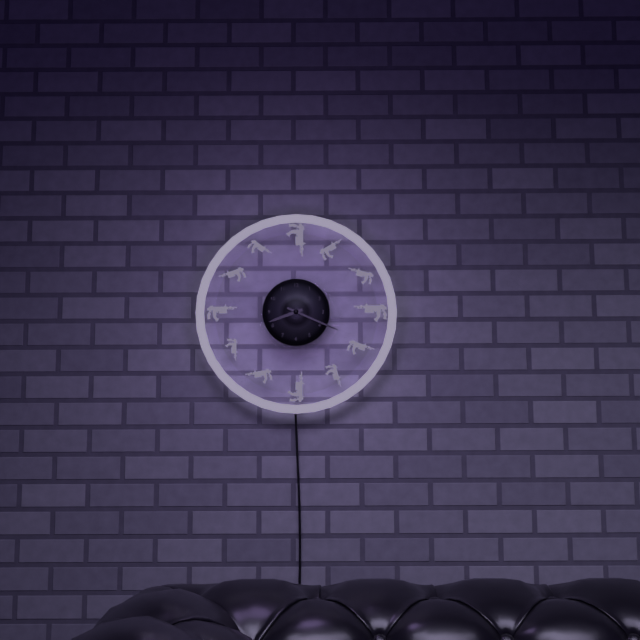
{"hour": 8, "minute": 19}
